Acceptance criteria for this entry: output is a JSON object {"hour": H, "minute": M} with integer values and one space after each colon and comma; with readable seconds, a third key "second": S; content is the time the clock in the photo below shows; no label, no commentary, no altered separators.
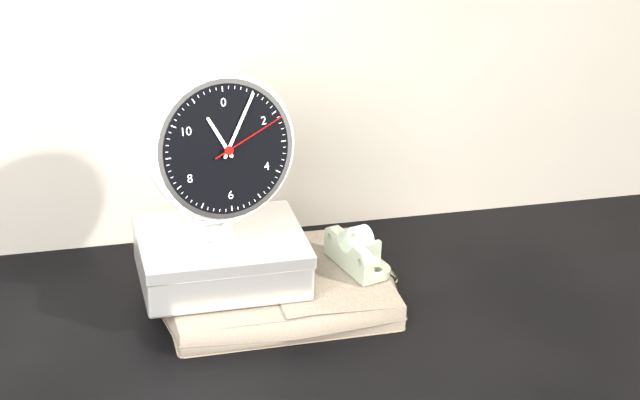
{"hour": 11, "minute": 5, "second": 11}
